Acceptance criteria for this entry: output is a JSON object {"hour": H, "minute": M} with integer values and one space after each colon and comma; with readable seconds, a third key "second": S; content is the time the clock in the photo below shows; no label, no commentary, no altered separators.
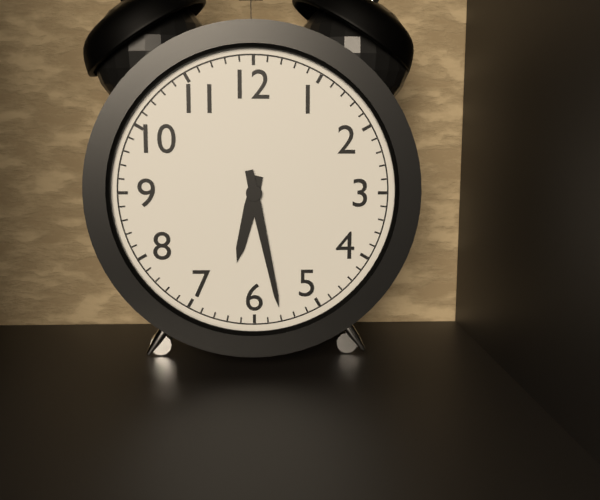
{"hour": 6, "minute": 28}
